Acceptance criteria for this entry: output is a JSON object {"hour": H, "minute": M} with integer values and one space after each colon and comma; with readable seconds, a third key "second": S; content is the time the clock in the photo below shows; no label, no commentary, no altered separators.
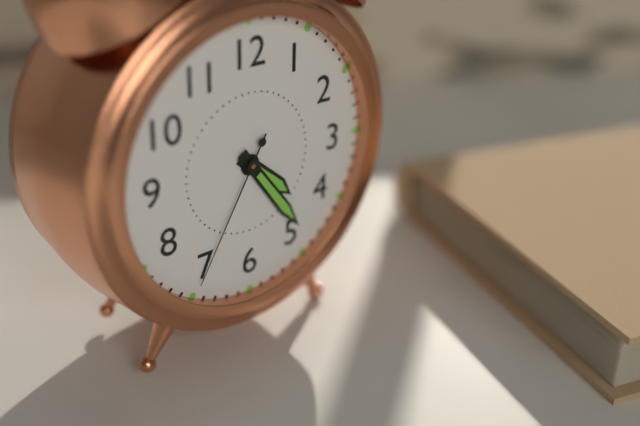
{"hour": 4, "minute": 24, "second": 35}
